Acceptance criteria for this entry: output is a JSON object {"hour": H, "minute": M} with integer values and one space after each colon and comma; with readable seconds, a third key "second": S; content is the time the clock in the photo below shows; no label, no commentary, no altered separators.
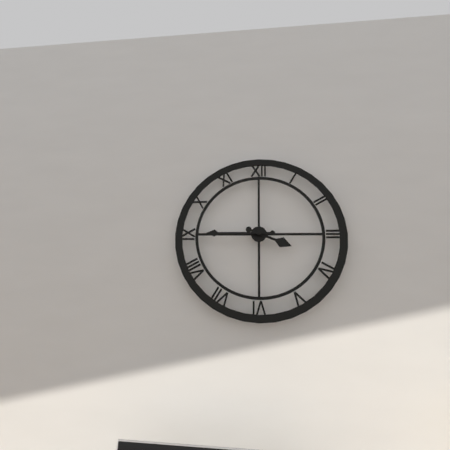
{"hour": 3, "minute": 45}
